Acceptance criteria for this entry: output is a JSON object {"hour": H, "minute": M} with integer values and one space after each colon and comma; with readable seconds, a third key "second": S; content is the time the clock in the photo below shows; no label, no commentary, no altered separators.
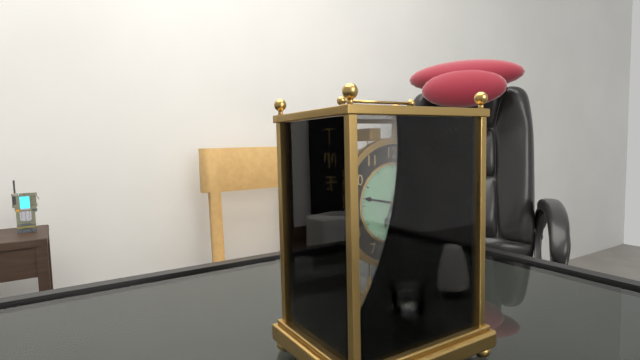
{"hour": 6, "minute": 47}
